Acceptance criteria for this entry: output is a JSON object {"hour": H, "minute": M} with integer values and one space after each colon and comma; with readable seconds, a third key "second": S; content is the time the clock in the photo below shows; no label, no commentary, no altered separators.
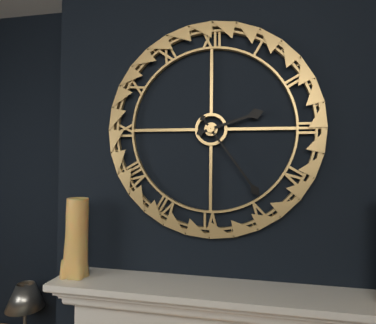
{"hour": 2, "minute": 24}
